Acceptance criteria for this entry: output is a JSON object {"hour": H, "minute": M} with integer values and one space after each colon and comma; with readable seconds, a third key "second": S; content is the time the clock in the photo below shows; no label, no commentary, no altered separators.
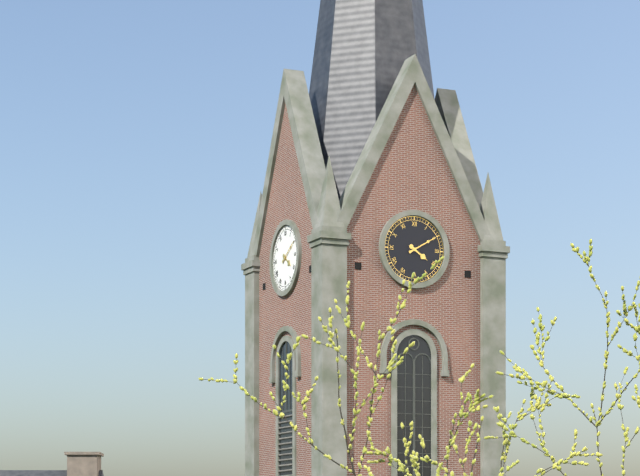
{"hour": 4, "minute": 10}
